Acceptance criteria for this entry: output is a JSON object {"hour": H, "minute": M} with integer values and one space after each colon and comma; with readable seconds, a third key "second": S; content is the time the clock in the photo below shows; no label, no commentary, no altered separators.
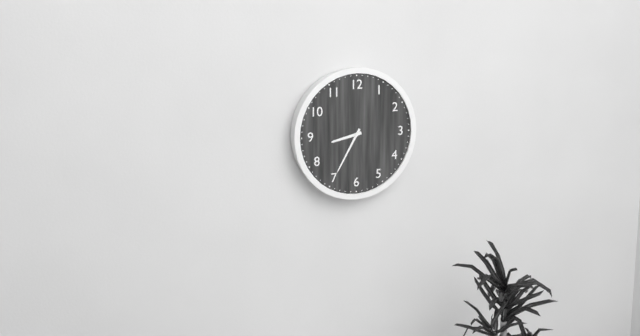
{"hour": 8, "minute": 35}
